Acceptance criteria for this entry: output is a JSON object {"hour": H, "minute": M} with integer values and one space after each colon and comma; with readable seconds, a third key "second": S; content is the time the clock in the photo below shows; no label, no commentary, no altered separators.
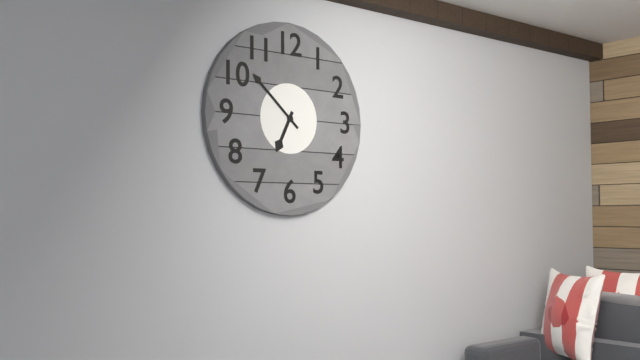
{"hour": 6, "minute": 52}
